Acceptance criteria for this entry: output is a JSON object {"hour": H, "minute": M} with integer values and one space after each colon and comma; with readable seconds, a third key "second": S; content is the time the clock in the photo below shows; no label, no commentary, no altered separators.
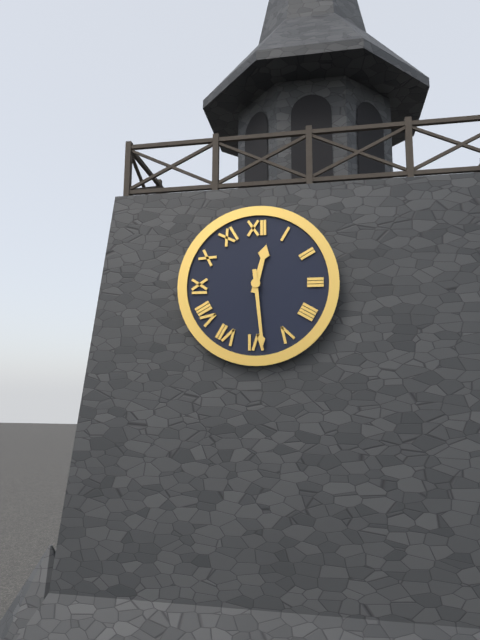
{"hour": 12, "minute": 29}
